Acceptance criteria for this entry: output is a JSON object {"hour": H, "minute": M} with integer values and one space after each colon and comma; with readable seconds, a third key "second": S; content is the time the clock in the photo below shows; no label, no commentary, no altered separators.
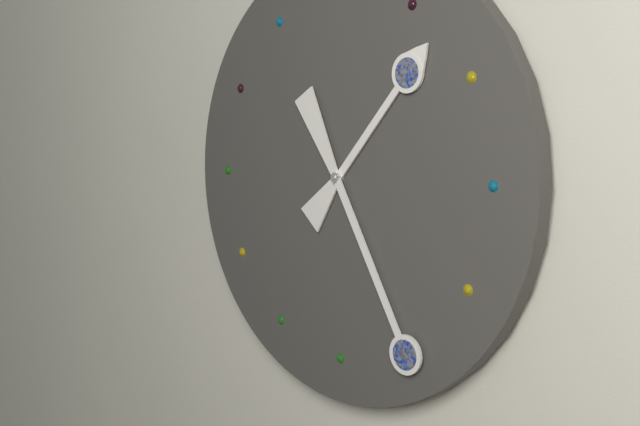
{"hour": 1, "minute": 25}
